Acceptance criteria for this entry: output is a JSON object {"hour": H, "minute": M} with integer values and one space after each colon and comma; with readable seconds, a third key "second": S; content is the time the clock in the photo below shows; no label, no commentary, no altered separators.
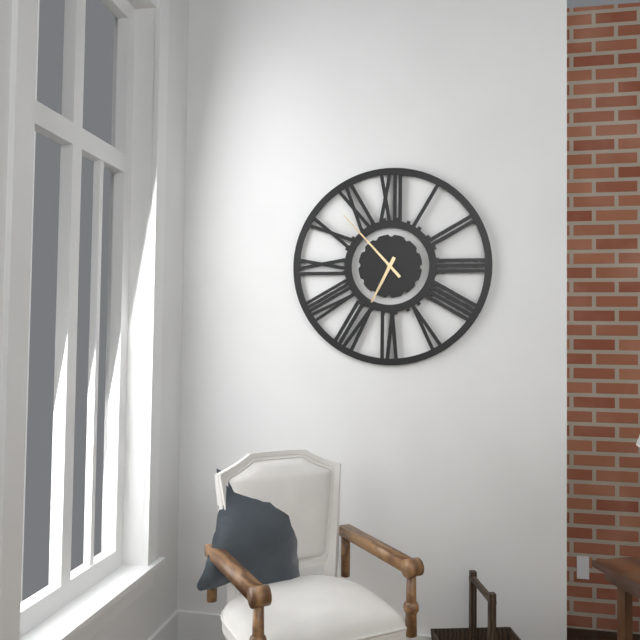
{"hour": 6, "minute": 53}
